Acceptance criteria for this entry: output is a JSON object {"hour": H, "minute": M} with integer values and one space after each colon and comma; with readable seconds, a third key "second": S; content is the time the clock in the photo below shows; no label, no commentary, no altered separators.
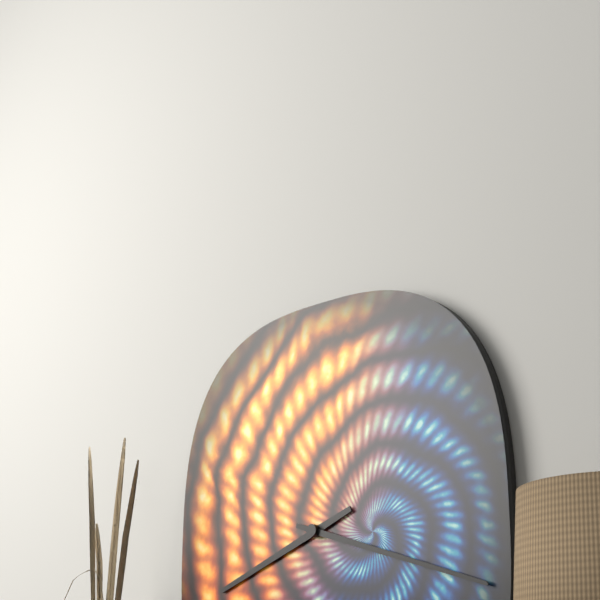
{"hour": 8, "minute": 18}
